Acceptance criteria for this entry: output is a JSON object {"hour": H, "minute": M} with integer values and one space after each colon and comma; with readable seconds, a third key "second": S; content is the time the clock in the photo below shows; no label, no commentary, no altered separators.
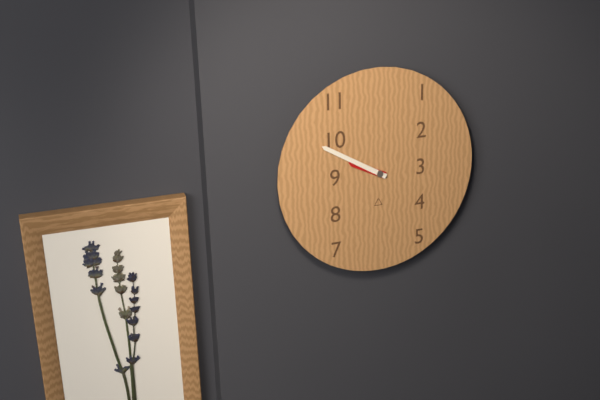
{"hour": 9, "minute": 50}
